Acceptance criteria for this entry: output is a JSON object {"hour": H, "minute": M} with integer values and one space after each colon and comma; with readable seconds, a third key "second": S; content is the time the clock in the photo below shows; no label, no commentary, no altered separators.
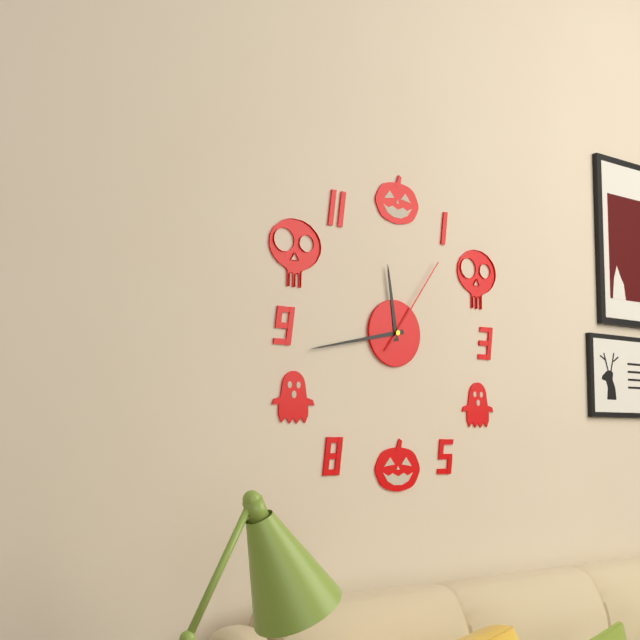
{"hour": 11, "minute": 43, "second": 6}
